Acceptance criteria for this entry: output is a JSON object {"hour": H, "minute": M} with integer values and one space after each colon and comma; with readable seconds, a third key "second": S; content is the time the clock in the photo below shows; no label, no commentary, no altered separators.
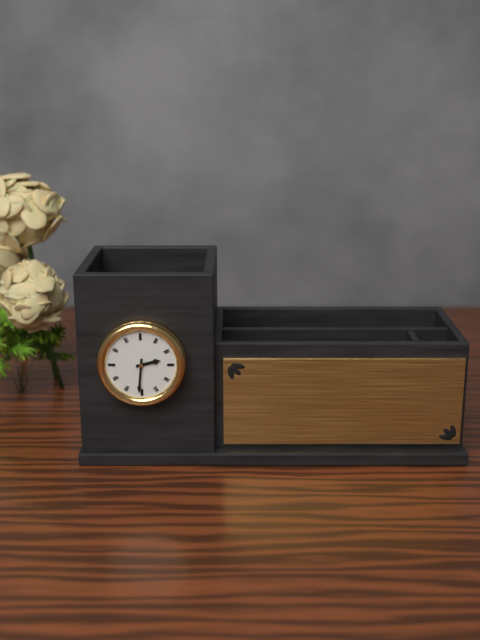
{"hour": 2, "minute": 31}
